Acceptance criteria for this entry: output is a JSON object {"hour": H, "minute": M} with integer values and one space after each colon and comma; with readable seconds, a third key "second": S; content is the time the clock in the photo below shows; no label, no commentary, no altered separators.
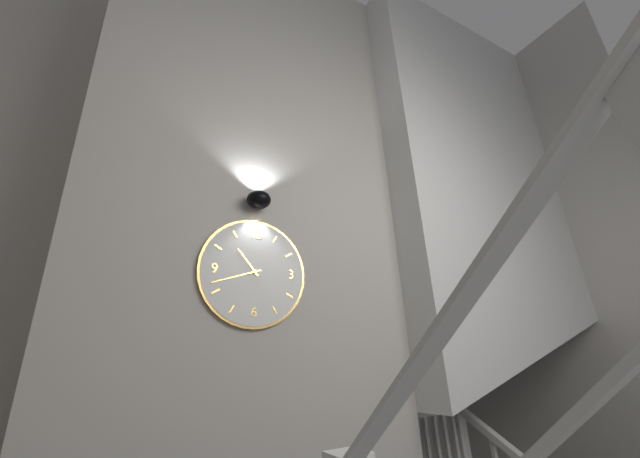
{"hour": 10, "minute": 42}
